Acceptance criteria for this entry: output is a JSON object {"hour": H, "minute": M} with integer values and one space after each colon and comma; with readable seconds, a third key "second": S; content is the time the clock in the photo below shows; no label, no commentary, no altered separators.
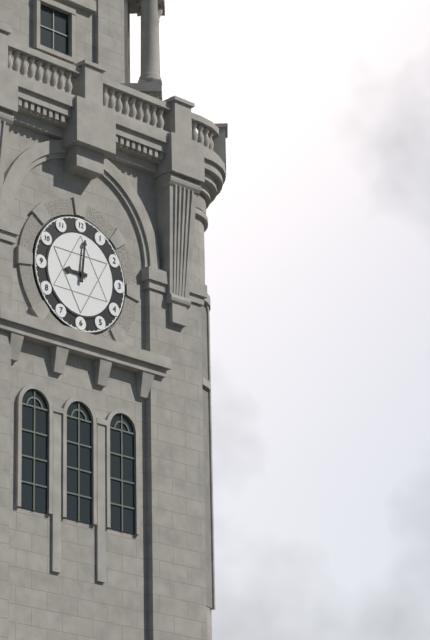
{"hour": 9, "minute": 1}
